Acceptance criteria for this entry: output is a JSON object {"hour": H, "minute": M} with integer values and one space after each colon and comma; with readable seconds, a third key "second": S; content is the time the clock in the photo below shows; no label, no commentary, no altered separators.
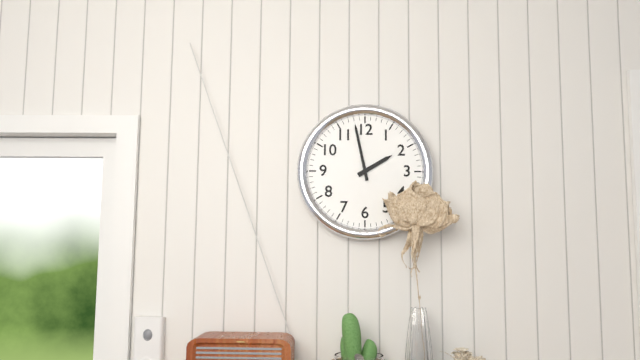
{"hour": 1, "minute": 58}
